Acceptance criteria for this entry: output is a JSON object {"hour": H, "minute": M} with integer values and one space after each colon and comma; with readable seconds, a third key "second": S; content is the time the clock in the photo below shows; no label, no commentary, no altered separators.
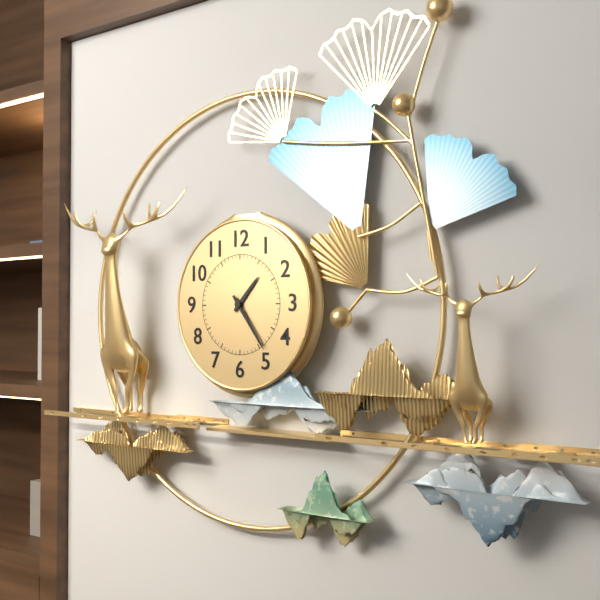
{"hour": 1, "minute": 24}
